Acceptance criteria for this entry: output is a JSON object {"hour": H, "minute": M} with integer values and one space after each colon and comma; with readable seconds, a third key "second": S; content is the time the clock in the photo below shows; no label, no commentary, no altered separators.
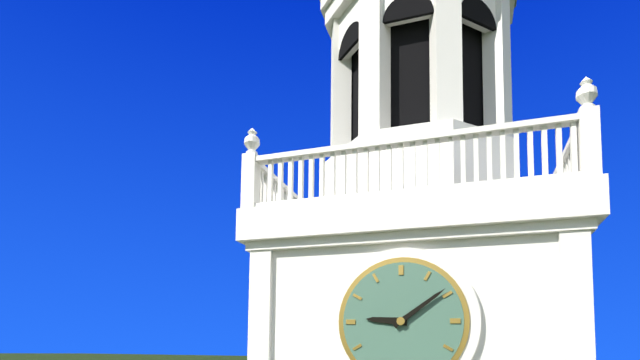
{"hour": 9, "minute": 9}
